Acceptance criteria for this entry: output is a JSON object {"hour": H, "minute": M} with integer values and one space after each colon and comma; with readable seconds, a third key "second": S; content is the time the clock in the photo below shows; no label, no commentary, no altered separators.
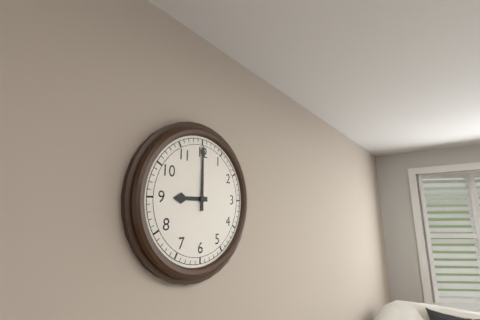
{"hour": 9, "minute": 0}
